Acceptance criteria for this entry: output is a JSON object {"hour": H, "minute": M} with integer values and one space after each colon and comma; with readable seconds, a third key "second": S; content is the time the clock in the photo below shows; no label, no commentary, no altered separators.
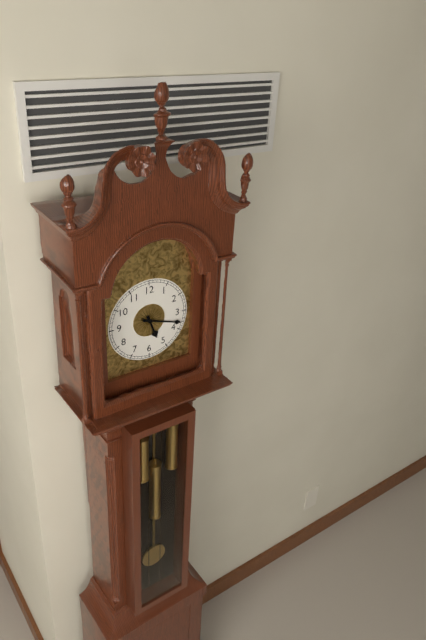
{"hour": 5, "minute": 18}
